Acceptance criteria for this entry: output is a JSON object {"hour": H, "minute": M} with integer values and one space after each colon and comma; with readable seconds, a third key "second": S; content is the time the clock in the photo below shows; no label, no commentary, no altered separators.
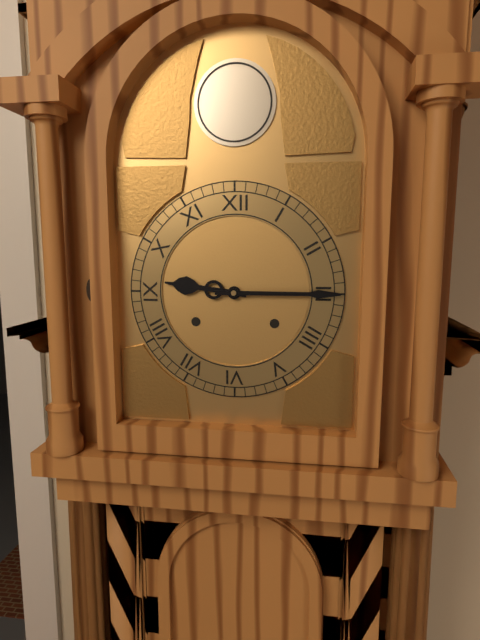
{"hour": 9, "minute": 15}
